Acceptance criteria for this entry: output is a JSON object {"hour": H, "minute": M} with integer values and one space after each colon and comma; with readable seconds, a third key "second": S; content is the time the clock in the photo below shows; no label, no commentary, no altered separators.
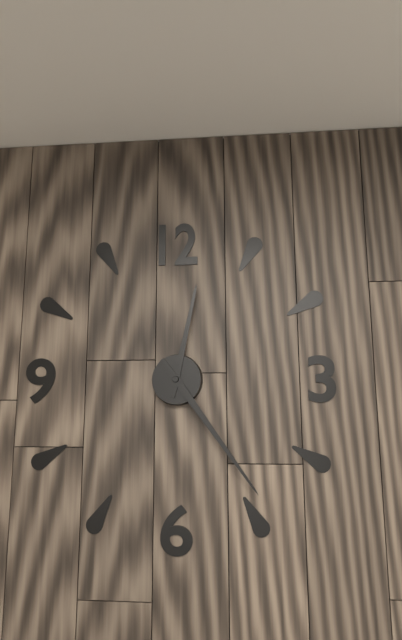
{"hour": 12, "minute": 24}
